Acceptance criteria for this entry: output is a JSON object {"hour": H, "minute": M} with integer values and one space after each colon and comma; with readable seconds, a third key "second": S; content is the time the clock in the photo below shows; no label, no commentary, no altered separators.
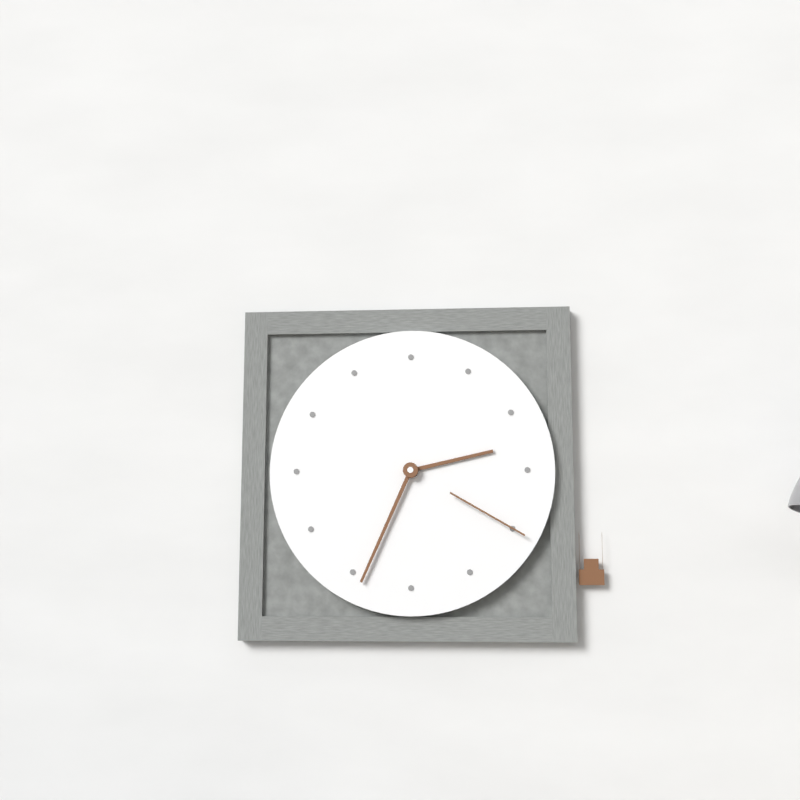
{"hour": 2, "minute": 34, "second": 20}
